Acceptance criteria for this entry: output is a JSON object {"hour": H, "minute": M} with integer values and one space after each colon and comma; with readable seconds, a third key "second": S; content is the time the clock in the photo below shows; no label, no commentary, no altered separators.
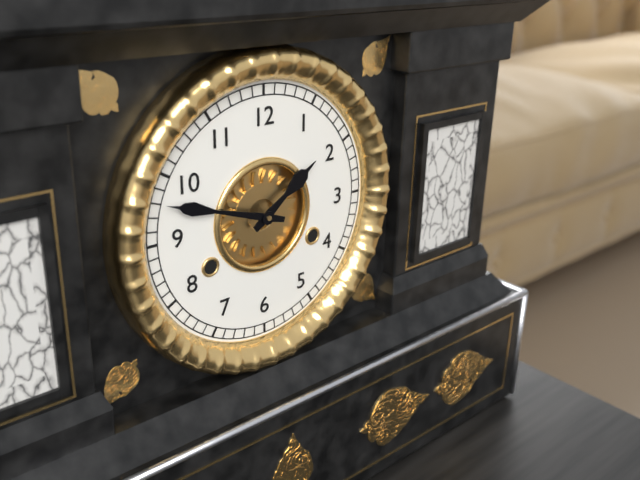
{"hour": 1, "minute": 48}
